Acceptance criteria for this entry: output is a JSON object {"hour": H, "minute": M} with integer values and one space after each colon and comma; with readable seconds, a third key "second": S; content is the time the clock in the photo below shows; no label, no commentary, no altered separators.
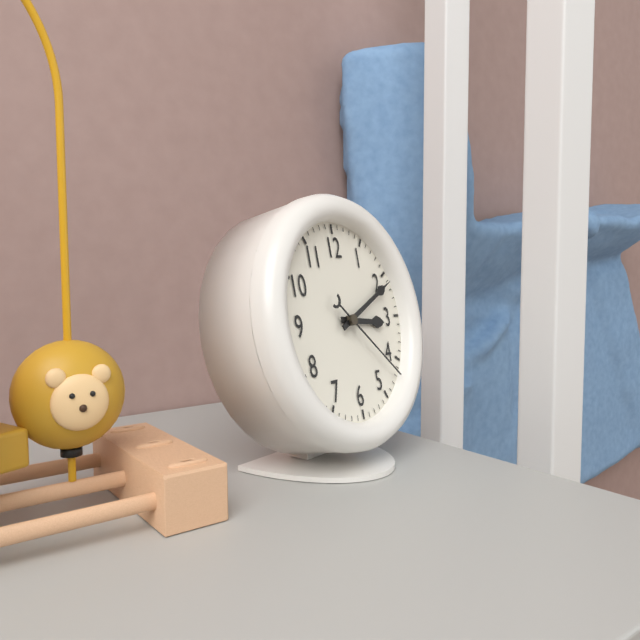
{"hour": 3, "minute": 11, "second": 22}
